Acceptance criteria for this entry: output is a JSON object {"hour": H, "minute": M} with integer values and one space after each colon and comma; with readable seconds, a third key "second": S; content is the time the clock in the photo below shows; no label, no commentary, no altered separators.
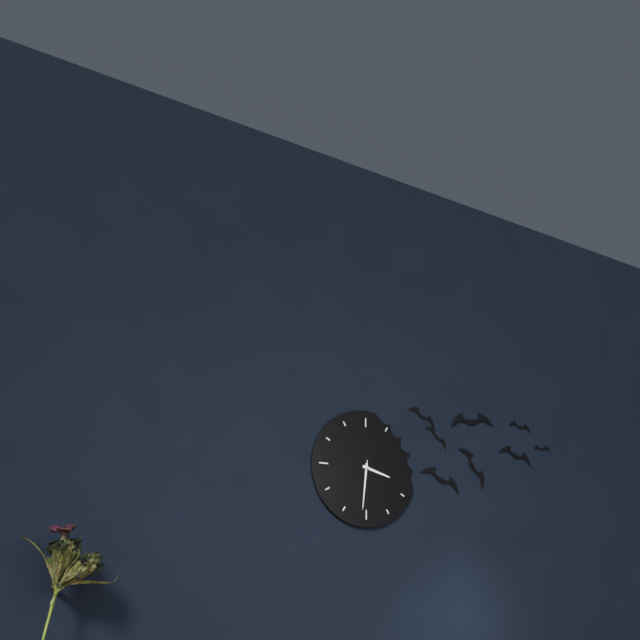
{"hour": 3, "minute": 31, "second": 31}
